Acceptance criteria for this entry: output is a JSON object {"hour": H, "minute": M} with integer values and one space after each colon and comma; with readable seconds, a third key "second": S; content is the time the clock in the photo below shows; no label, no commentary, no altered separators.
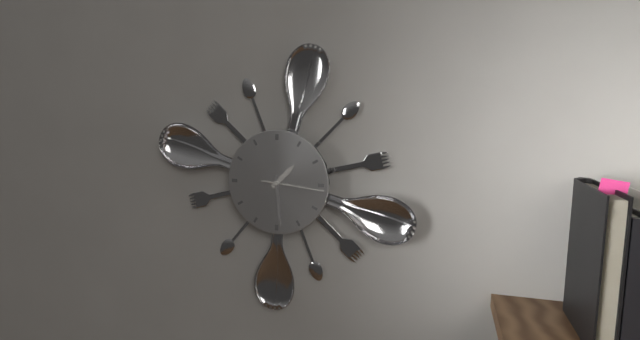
{"hour": 1, "minute": 29, "second": 16}
